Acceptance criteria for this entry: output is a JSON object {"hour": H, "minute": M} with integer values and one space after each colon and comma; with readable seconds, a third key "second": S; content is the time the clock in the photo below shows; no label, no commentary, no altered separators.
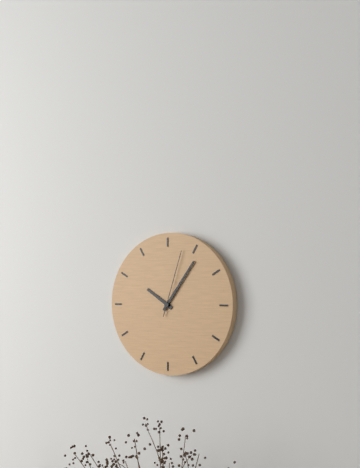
{"hour": 10, "minute": 6, "second": 3}
